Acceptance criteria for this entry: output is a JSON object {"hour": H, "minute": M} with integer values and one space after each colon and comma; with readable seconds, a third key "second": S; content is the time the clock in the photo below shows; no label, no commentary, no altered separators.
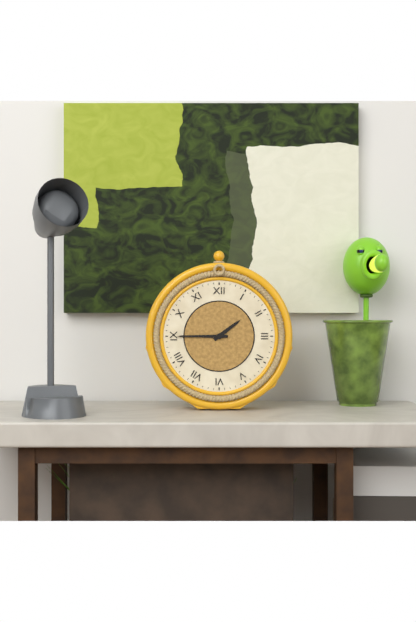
{"hour": 1, "minute": 45}
